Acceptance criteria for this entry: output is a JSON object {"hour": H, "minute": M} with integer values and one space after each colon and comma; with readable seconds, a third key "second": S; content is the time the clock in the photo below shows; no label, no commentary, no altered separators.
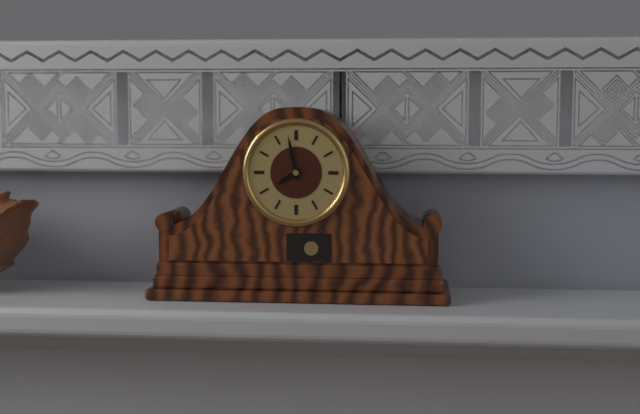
{"hour": 7, "minute": 58}
